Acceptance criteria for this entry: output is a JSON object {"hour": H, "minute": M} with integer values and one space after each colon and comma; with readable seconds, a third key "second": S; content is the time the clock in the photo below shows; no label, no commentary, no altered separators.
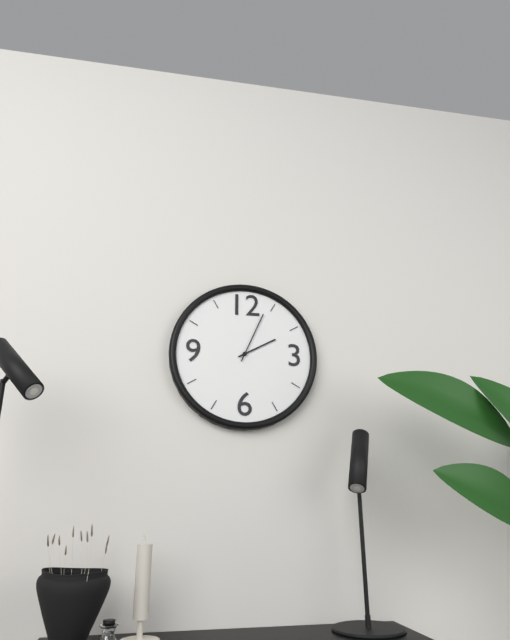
{"hour": 2, "minute": 4}
